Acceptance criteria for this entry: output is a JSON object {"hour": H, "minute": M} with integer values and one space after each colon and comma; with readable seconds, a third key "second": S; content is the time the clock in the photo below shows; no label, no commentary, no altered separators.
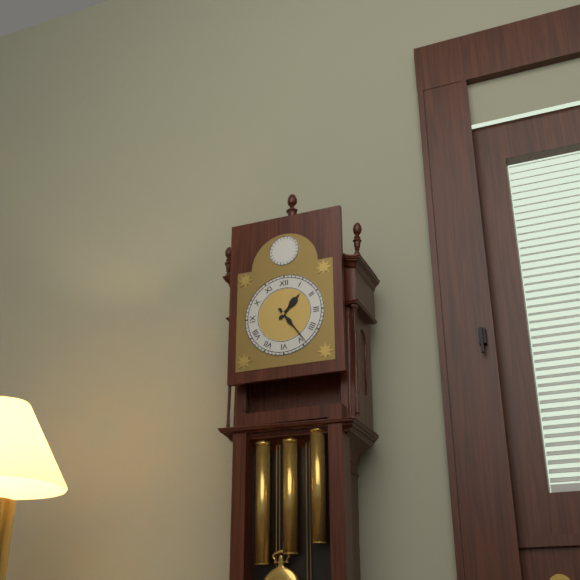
{"hour": 1, "minute": 24}
